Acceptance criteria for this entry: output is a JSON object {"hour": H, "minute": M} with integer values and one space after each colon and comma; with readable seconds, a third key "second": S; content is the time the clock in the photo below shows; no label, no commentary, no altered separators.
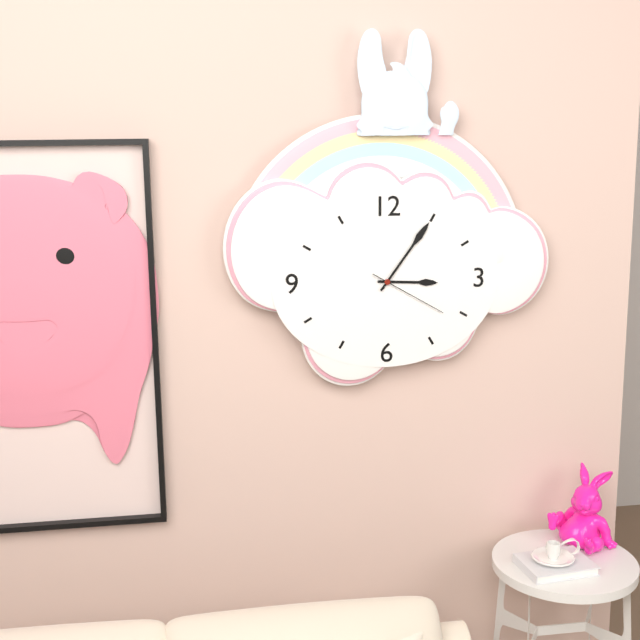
{"hour": 3, "minute": 6, "second": 20}
